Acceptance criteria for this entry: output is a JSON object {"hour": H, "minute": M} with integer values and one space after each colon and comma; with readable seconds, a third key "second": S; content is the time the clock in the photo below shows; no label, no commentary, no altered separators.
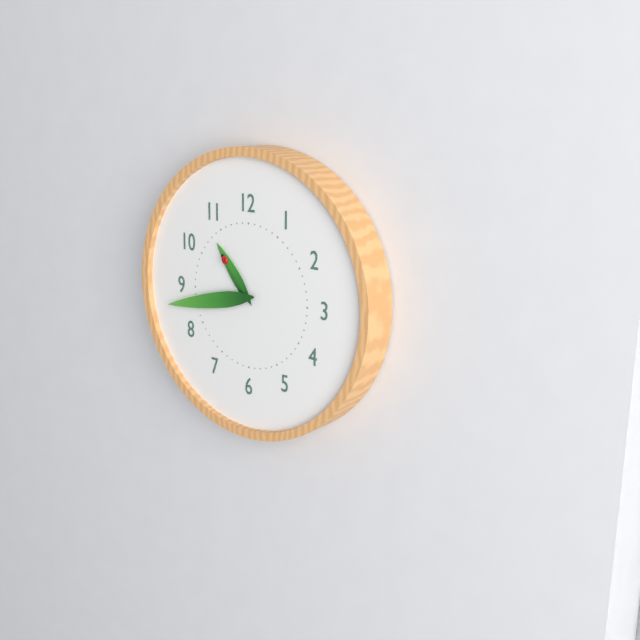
{"hour": 10, "minute": 43}
